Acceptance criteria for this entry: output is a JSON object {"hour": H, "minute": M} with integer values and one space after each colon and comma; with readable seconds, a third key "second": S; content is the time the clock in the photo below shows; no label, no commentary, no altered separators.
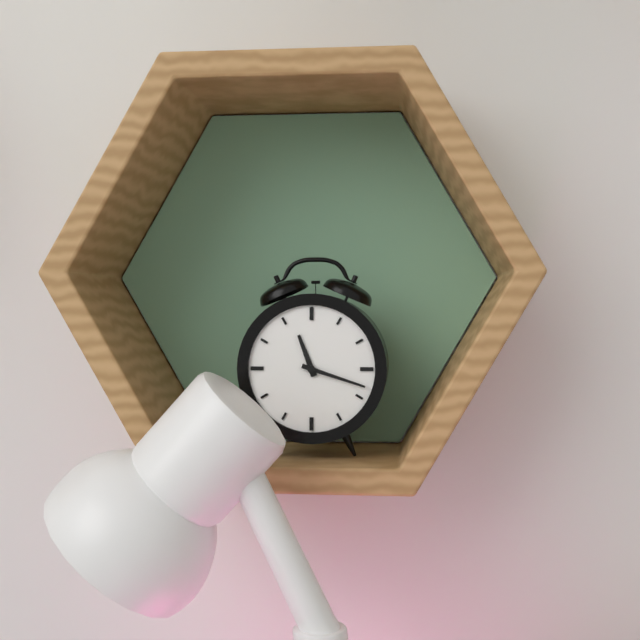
{"hour": 11, "minute": 18}
